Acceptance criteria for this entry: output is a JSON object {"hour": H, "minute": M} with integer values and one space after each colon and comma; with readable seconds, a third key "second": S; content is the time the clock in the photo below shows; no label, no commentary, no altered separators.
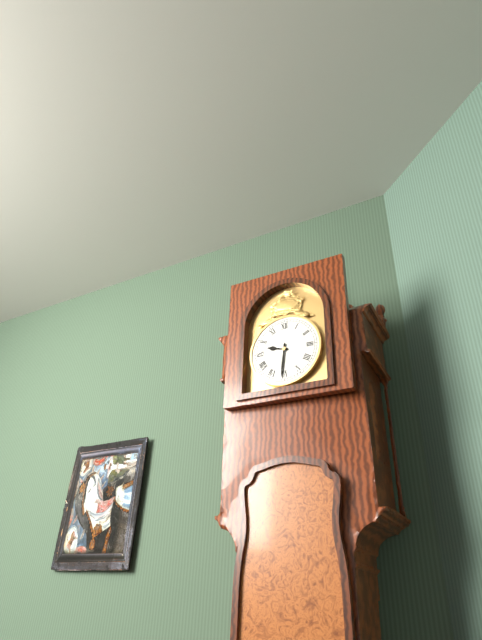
{"hour": 9, "minute": 31}
